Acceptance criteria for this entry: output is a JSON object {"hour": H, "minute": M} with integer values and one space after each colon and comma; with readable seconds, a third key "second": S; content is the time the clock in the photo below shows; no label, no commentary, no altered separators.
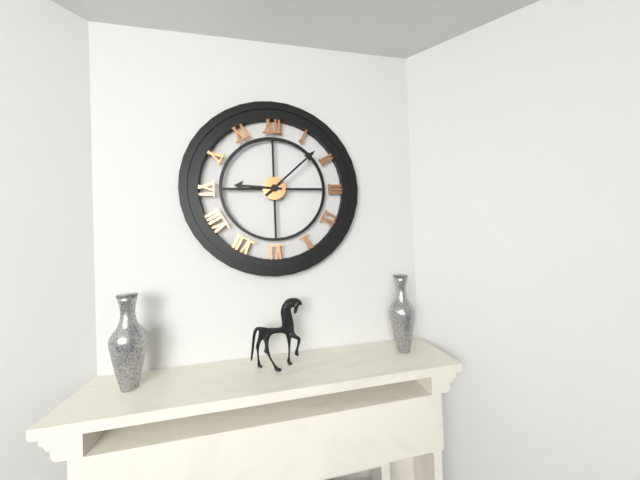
{"hour": 9, "minute": 8}
